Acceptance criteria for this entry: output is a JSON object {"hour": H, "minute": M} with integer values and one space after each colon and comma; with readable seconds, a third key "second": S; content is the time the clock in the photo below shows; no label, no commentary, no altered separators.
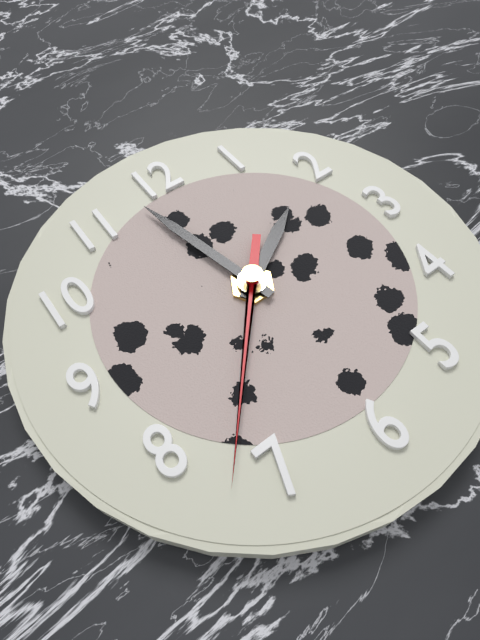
{"hour": 1, "minute": 58, "second": 37}
